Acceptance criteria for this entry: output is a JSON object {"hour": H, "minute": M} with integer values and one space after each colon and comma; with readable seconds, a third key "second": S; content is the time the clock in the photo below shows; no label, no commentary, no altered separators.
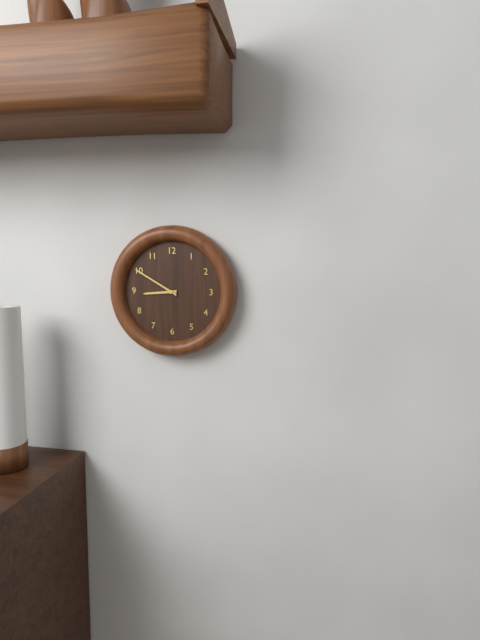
{"hour": 8, "minute": 50}
